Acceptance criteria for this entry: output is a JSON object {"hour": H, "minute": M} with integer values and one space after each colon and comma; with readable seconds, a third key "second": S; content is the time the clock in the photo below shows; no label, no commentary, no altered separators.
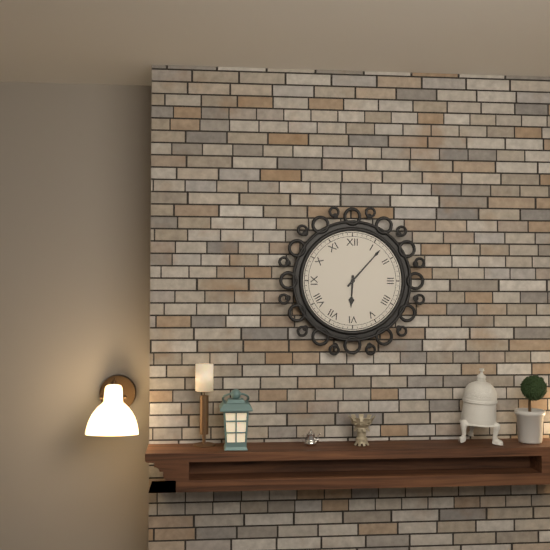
{"hour": 6, "minute": 7}
